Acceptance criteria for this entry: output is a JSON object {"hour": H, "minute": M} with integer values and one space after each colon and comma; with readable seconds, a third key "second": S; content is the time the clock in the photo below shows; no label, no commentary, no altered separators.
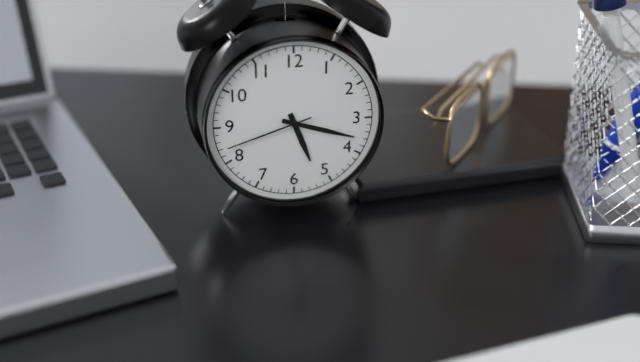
{"hour": 5, "minute": 18, "second": 42}
